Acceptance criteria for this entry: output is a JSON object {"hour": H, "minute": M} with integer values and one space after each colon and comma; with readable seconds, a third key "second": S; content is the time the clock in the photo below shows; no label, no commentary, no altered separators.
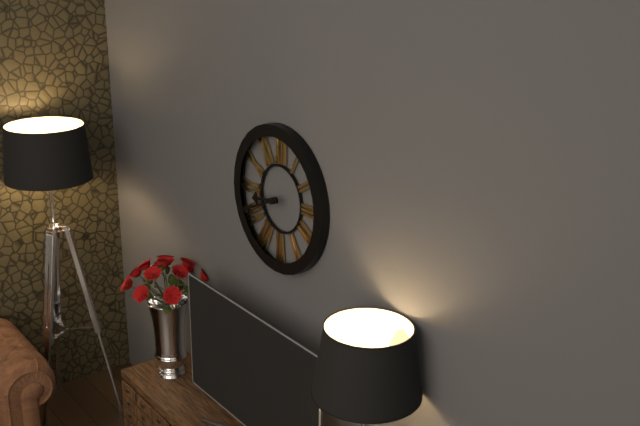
{"hour": 8, "minute": 41}
